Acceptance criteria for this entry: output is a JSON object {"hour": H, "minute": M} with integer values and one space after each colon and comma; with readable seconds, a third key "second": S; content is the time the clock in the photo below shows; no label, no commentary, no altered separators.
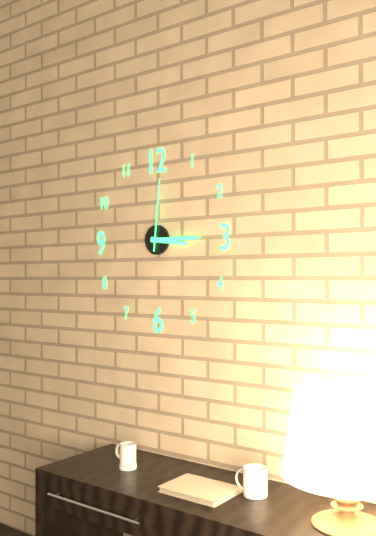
{"hour": 3, "minute": 15, "second": 1}
